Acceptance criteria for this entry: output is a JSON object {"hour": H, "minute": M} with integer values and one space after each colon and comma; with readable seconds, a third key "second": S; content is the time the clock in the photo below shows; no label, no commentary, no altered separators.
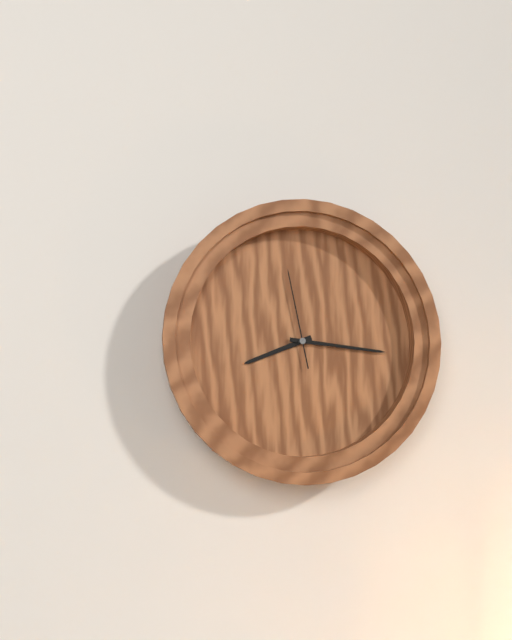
{"hour": 8, "minute": 16, "second": 58}
